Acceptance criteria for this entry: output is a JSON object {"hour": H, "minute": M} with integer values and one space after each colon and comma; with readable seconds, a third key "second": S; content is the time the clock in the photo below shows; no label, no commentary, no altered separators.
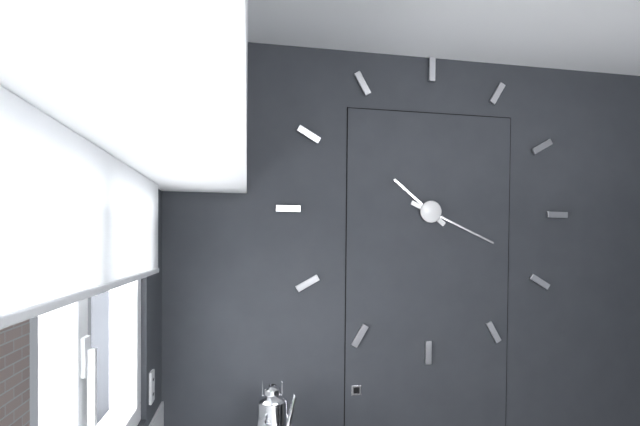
{"hour": 10, "minute": 19}
